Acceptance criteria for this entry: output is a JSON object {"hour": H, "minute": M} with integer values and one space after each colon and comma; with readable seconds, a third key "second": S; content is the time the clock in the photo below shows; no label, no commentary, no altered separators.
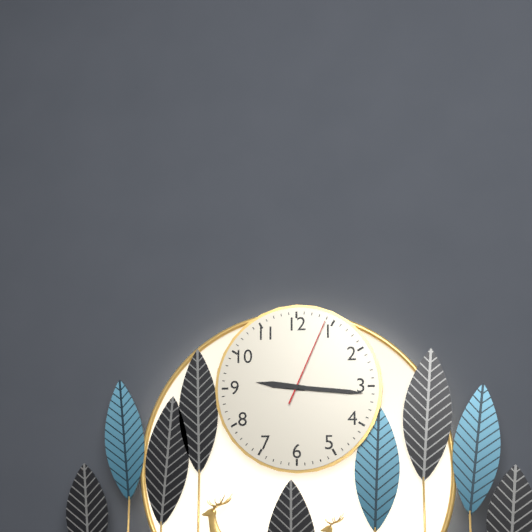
{"hour": 9, "minute": 16, "second": 4}
